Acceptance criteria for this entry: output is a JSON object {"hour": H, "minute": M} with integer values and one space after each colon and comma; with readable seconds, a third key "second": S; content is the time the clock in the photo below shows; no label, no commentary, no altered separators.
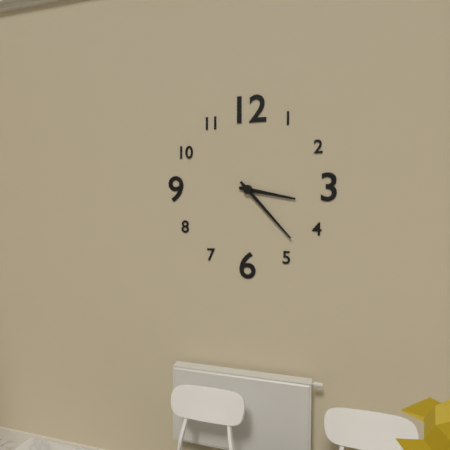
{"hour": 3, "minute": 23}
